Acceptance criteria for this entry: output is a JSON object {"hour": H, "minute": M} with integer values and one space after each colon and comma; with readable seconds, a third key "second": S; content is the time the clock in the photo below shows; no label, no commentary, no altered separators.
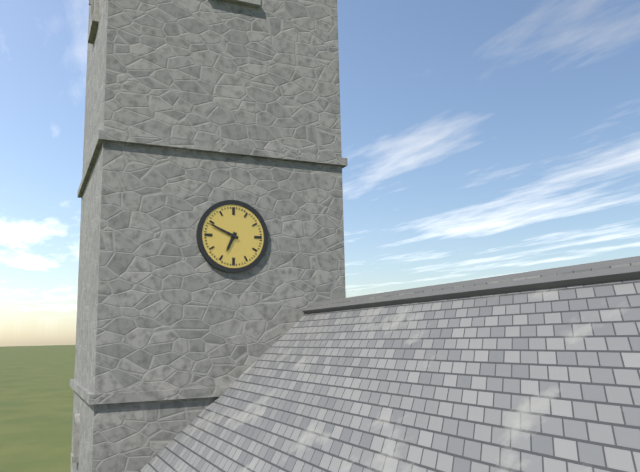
{"hour": 6, "minute": 49}
